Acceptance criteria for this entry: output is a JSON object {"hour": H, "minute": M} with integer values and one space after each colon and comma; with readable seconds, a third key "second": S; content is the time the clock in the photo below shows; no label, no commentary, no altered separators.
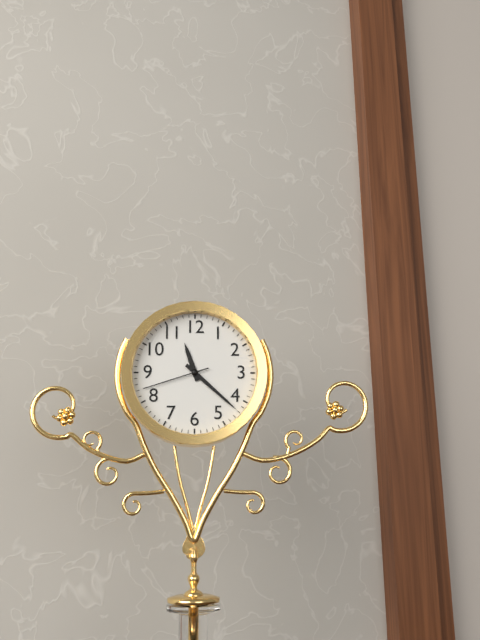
{"hour": 11, "minute": 22, "second": 42}
